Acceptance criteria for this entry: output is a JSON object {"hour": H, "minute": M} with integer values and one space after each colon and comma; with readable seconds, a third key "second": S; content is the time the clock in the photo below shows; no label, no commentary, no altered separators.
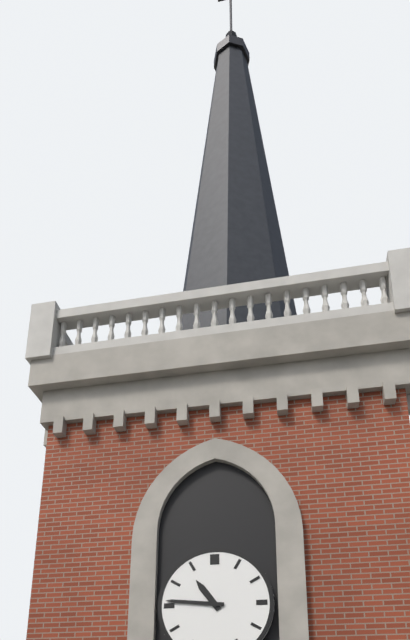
{"hour": 10, "minute": 46}
